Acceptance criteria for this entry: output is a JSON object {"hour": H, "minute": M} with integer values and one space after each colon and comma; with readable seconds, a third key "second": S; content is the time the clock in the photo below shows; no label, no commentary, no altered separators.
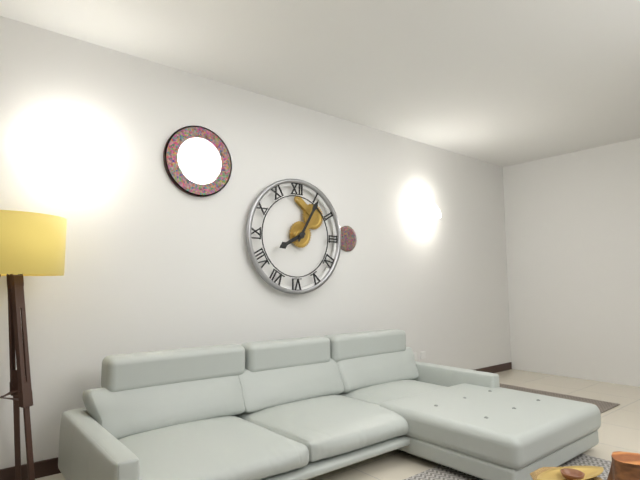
{"hour": 8, "minute": 5}
